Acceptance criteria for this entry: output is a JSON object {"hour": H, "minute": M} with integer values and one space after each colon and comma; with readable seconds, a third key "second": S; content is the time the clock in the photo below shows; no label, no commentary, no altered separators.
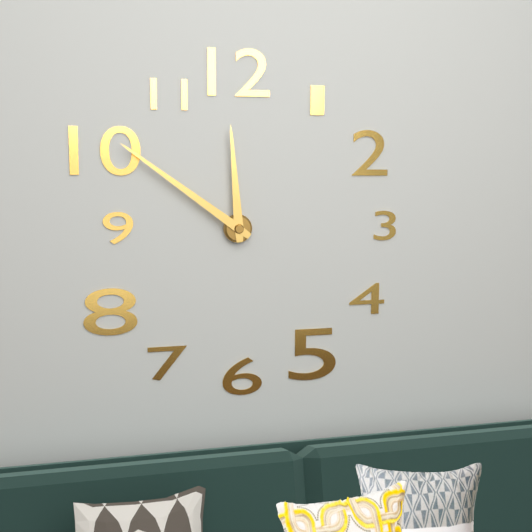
{"hour": 11, "minute": 51}
